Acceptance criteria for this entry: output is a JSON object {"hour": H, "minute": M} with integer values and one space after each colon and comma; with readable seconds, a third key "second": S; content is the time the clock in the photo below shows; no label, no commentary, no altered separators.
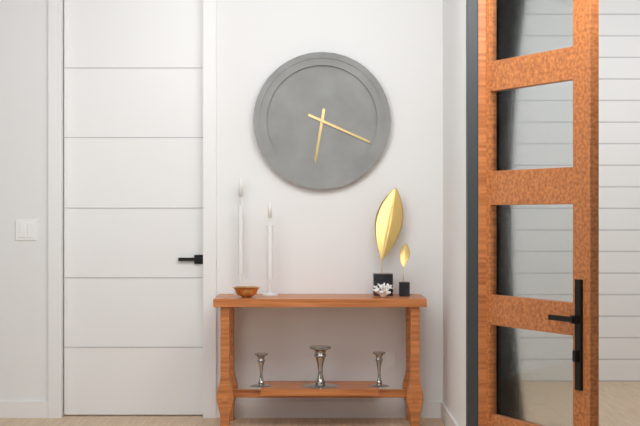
{"hour": 6, "minute": 19}
